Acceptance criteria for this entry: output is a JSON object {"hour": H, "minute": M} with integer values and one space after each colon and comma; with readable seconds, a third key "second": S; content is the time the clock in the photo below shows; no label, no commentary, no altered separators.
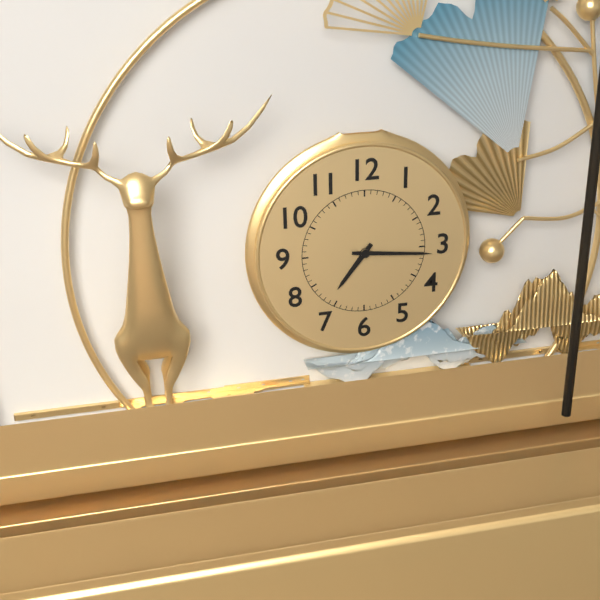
{"hour": 7, "minute": 16}
